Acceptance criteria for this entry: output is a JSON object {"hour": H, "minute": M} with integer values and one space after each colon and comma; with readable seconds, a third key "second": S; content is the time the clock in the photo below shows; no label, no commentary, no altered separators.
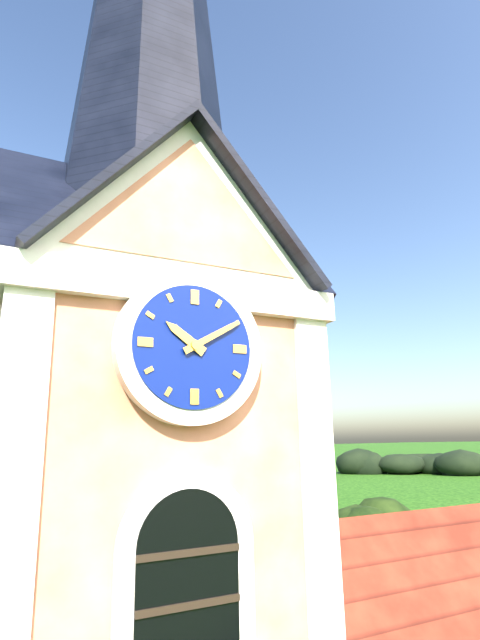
{"hour": 10, "minute": 10}
